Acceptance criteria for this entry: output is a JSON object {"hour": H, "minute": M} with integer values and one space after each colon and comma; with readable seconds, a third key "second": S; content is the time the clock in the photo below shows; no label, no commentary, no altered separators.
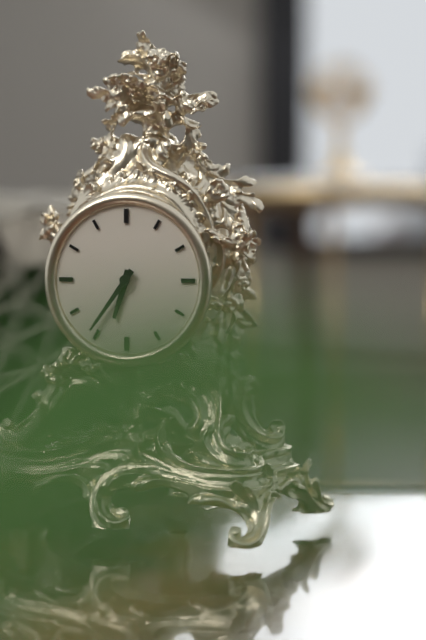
{"hour": 6, "minute": 36}
